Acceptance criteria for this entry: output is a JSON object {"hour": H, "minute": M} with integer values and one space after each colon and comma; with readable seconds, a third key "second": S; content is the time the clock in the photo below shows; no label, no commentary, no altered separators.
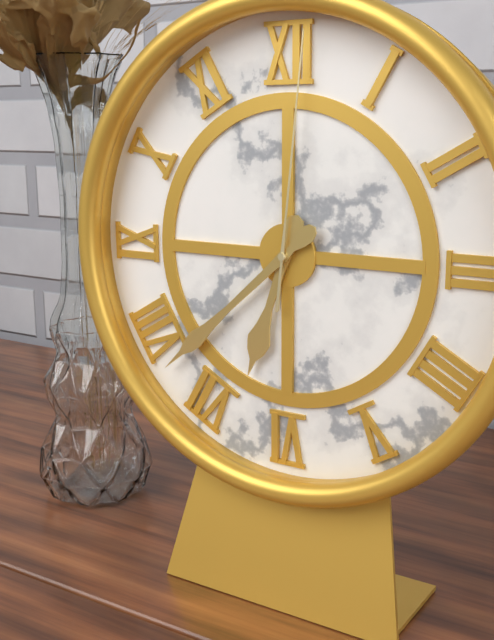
{"hour": 6, "minute": 38, "second": 1}
